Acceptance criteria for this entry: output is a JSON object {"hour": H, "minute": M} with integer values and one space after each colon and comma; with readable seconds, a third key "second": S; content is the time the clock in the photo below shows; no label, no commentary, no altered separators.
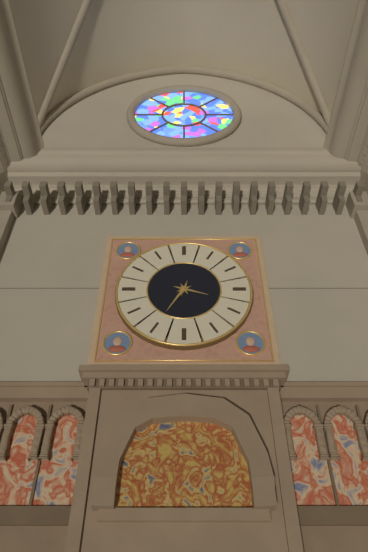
{"hour": 3, "minute": 35}
